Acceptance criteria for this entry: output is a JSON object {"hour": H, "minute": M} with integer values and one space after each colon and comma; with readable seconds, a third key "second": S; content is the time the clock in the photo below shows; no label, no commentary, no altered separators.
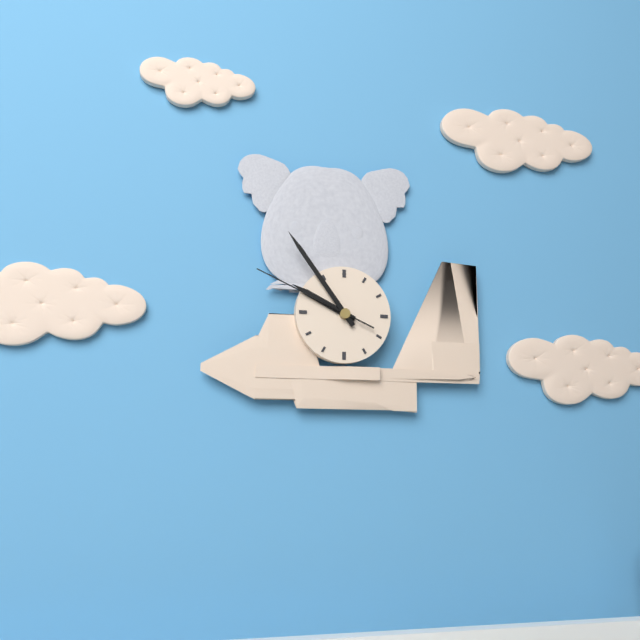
{"hour": 9, "minute": 54, "second": 49}
